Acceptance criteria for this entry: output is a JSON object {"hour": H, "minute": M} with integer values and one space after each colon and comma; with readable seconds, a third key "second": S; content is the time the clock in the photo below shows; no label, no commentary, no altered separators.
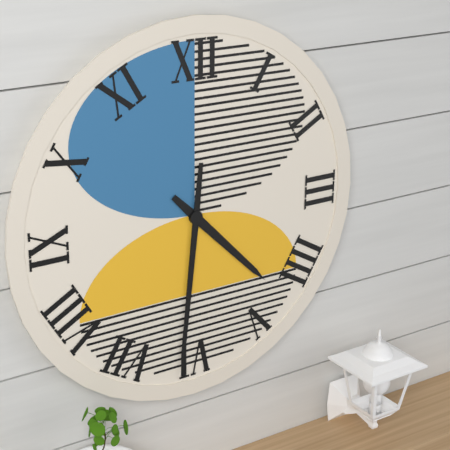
{"hour": 4, "minute": 31}
